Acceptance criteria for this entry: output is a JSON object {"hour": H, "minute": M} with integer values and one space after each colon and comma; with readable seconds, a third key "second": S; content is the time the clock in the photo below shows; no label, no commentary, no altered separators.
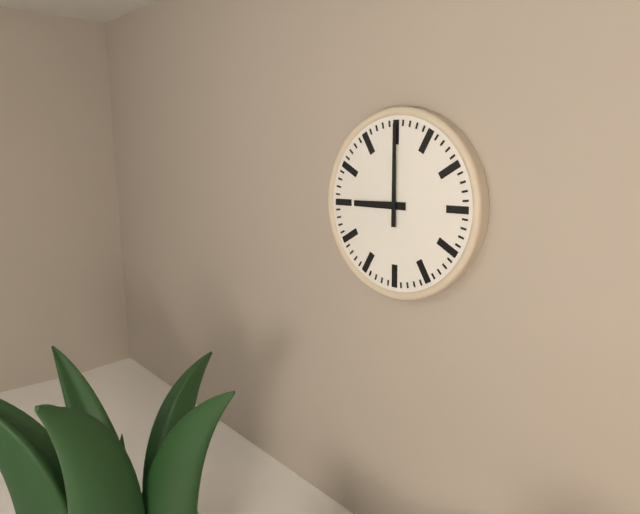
{"hour": 9, "minute": 0}
